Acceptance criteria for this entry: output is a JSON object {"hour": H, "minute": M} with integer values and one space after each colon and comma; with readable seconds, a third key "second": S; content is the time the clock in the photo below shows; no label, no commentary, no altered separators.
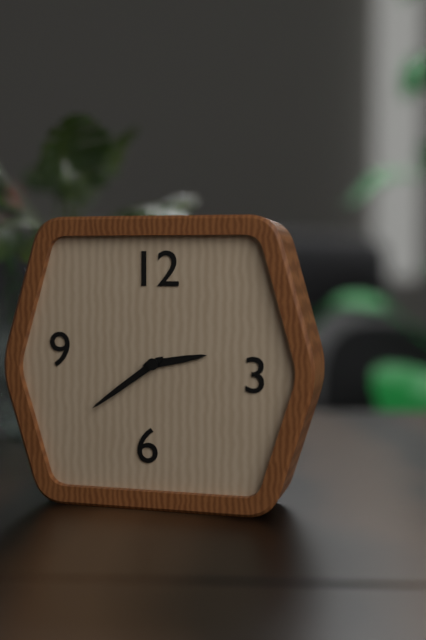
{"hour": 2, "minute": 39}
